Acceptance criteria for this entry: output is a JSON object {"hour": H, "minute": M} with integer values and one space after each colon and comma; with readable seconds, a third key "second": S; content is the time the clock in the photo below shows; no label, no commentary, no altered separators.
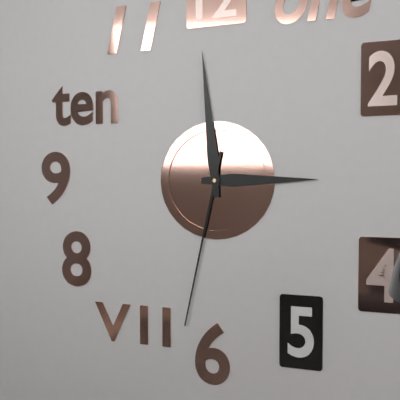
{"hour": 2, "minute": 59, "second": 32}
